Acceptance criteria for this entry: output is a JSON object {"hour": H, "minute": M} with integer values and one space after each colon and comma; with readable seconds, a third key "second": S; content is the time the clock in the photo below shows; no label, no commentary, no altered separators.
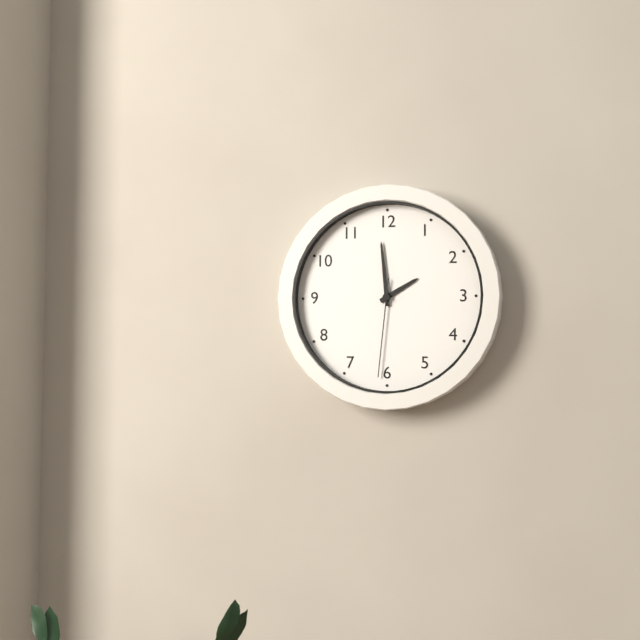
{"hour": 1, "minute": 59, "second": 31}
